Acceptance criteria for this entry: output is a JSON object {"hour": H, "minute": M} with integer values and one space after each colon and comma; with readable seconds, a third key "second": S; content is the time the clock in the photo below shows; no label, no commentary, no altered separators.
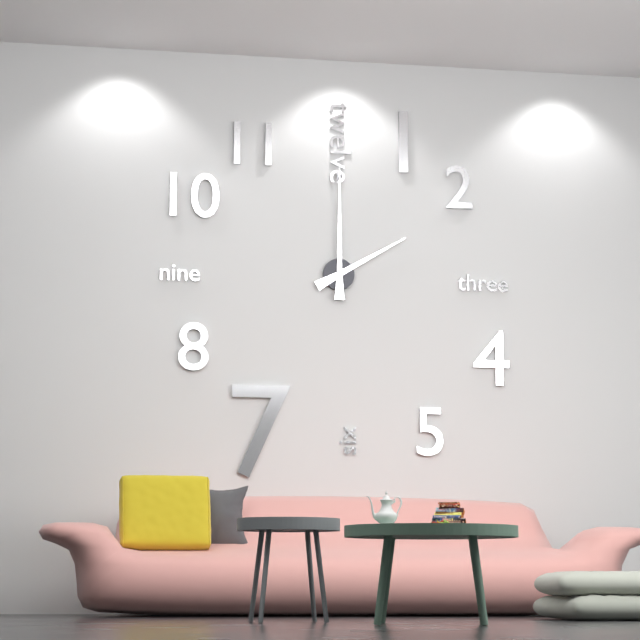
{"hour": 2, "minute": 0}
